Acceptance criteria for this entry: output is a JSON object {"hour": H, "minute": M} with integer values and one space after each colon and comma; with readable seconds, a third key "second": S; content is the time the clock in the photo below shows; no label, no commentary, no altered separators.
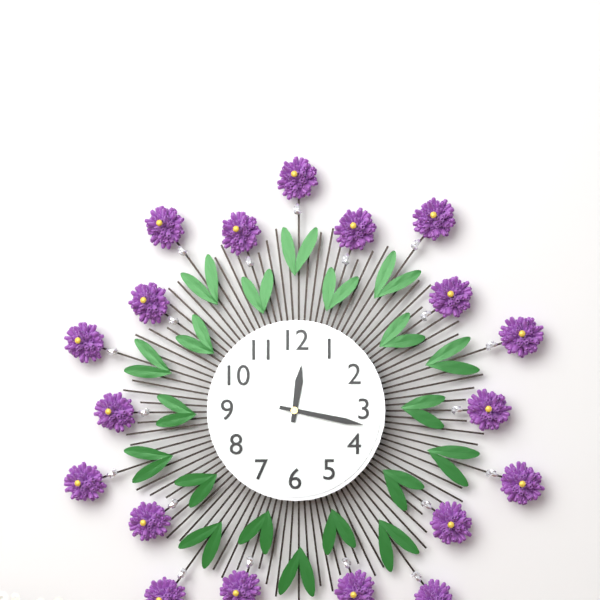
{"hour": 12, "minute": 17}
